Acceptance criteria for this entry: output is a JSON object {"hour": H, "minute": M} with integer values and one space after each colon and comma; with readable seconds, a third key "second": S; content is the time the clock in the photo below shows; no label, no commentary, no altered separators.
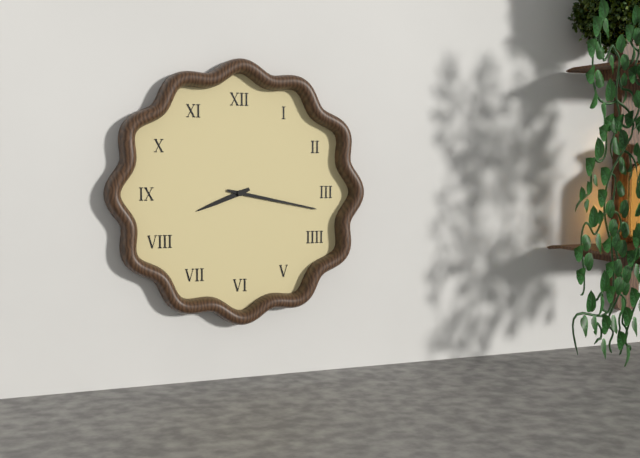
{"hour": 8, "minute": 17}
